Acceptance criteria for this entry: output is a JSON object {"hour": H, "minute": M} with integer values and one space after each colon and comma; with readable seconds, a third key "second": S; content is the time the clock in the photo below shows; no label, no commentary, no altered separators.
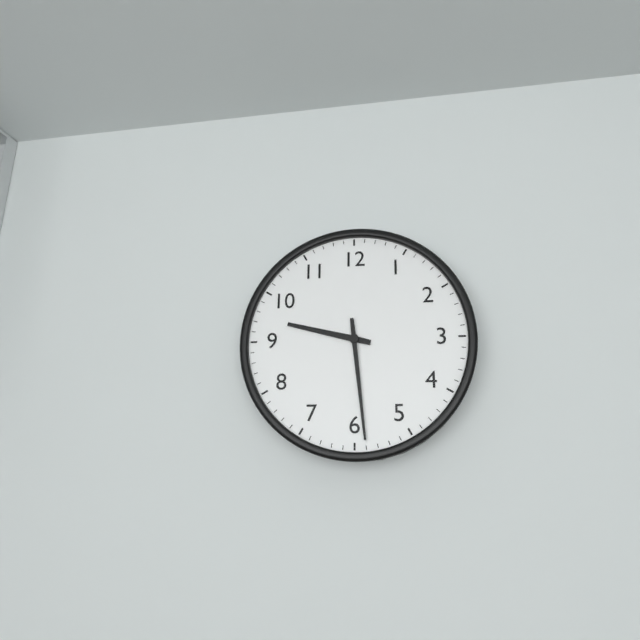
{"hour": 9, "minute": 29}
